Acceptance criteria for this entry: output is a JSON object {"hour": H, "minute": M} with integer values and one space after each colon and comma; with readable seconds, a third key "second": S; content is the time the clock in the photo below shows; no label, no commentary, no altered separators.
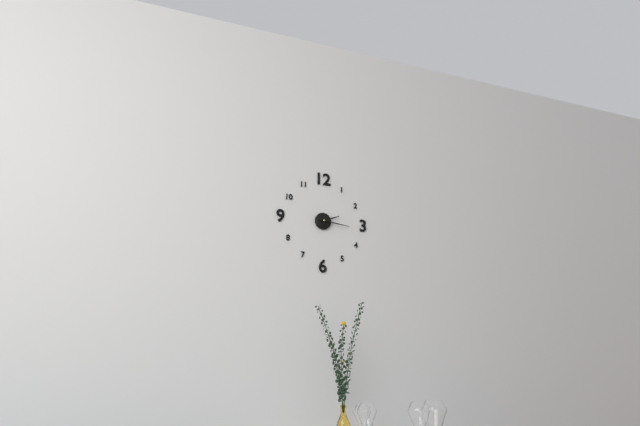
{"hour": 2, "minute": 16}
